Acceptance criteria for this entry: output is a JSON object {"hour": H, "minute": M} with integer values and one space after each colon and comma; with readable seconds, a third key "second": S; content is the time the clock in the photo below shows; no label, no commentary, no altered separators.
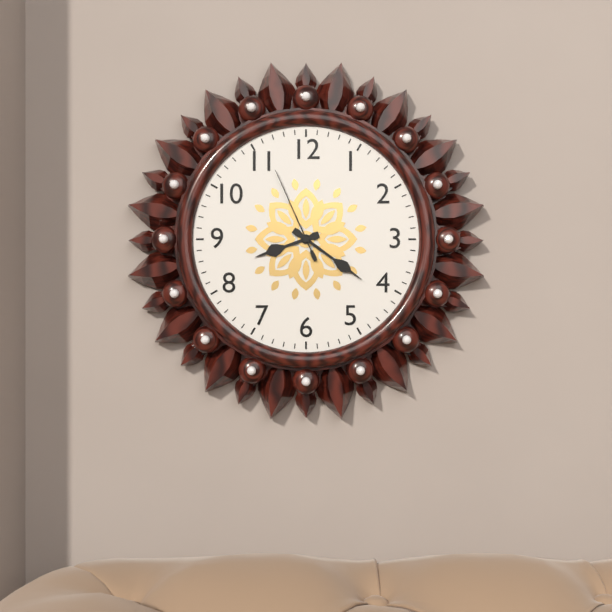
{"hour": 8, "minute": 21, "second": 56}
